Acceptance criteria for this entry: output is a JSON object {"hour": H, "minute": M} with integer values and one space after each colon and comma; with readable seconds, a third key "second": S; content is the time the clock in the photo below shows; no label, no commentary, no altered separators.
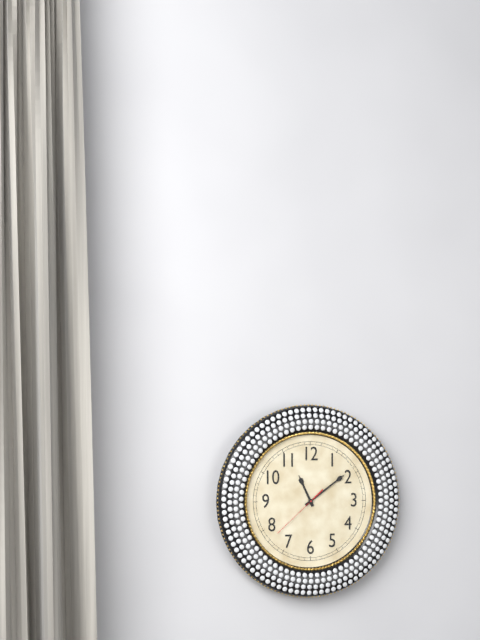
{"hour": 11, "minute": 9, "second": 38}
